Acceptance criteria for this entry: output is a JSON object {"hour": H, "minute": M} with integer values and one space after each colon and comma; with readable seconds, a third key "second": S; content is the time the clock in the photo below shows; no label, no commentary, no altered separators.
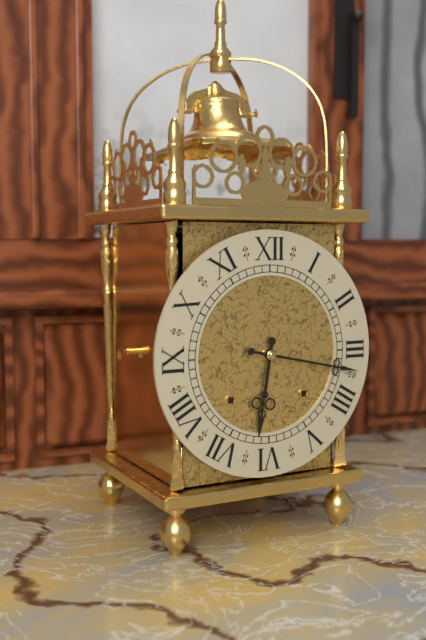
{"hour": 6, "minute": 17}
